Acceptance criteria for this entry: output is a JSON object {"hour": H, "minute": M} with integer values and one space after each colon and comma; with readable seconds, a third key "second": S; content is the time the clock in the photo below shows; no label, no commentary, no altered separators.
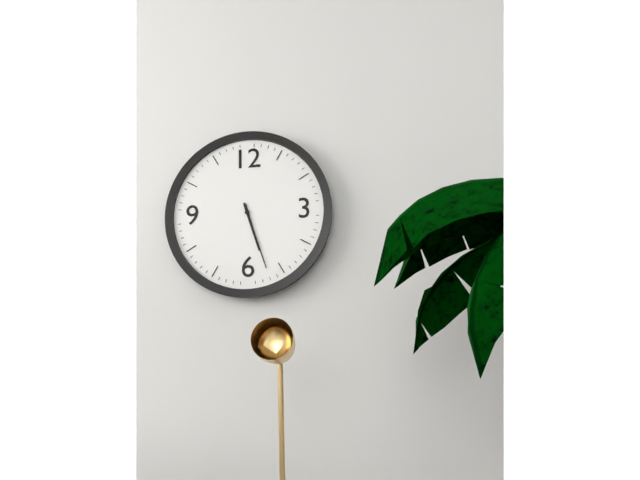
{"hour": 5, "minute": 27}
